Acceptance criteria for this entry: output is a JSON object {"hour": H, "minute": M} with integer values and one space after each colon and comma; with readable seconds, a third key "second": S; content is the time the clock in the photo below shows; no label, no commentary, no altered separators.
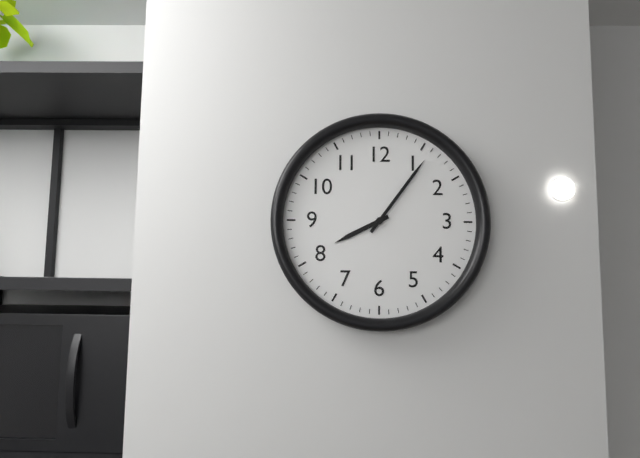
{"hour": 8, "minute": 6}
